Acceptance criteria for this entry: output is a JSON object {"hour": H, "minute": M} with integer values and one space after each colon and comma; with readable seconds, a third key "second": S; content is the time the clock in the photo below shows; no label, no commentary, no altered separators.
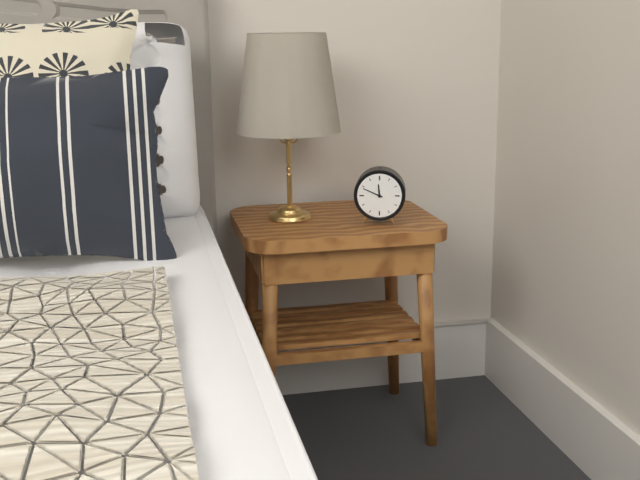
{"hour": 11, "minute": 49}
